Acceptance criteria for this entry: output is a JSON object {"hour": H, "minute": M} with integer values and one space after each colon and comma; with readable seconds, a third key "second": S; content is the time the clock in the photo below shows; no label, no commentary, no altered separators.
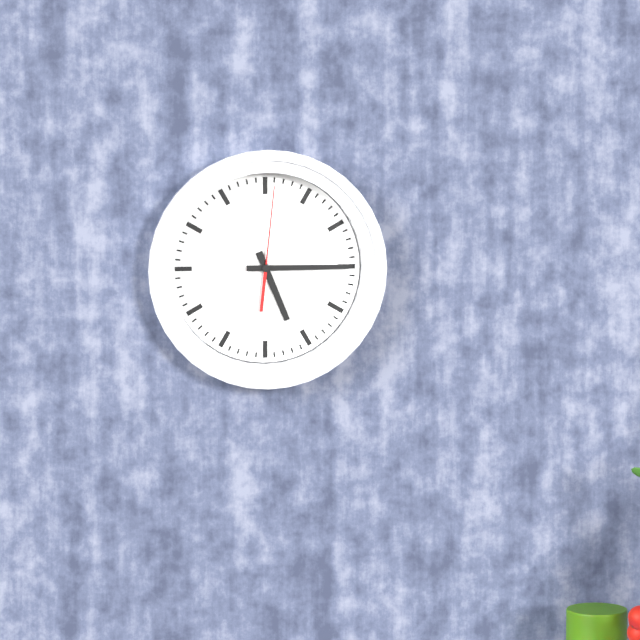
{"hour": 5, "minute": 15, "second": 1}
